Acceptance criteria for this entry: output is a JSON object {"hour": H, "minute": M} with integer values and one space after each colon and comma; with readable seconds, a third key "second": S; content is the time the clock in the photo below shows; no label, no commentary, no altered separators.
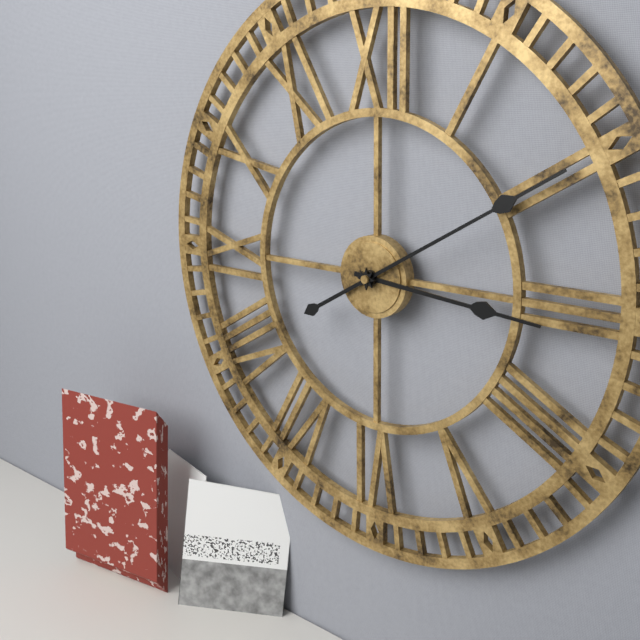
{"hour": 3, "minute": 10}
